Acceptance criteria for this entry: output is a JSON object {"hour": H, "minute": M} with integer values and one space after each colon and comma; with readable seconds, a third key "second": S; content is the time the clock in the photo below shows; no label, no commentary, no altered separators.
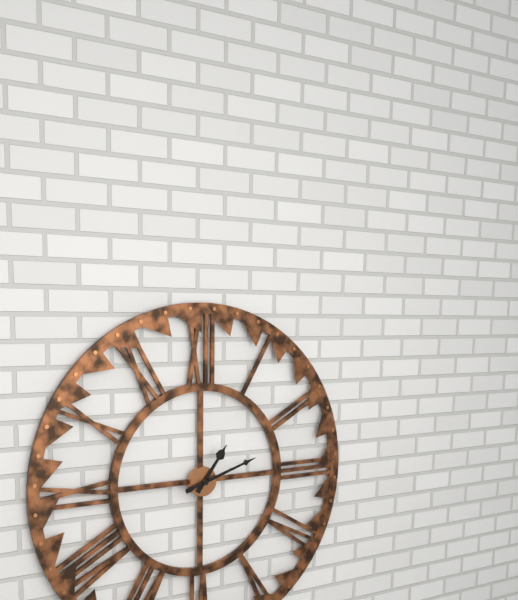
{"hour": 1, "minute": 12}
